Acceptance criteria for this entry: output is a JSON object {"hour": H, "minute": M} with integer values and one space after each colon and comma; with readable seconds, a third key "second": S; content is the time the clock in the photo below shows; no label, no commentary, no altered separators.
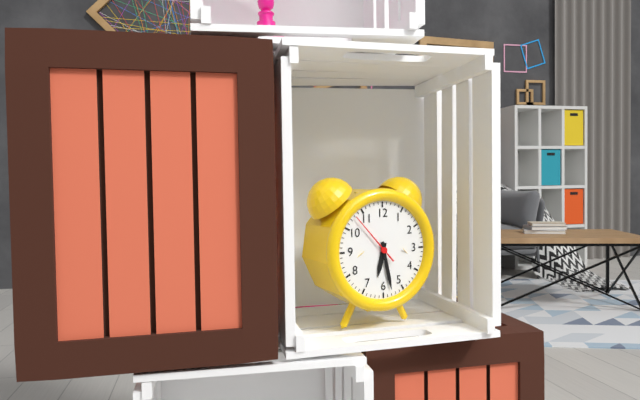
{"hour": 6, "minute": 28, "second": 53}
